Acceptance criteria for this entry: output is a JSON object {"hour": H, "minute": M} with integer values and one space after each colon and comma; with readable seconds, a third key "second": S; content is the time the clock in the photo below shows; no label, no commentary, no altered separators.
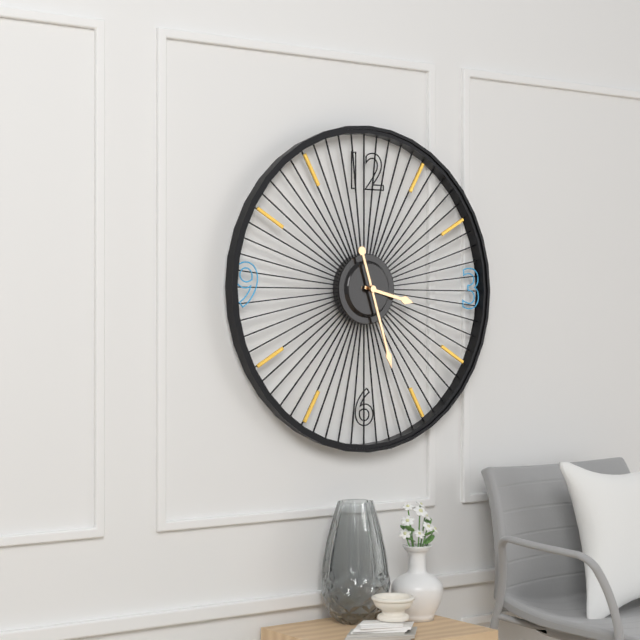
{"hour": 3, "minute": 27}
